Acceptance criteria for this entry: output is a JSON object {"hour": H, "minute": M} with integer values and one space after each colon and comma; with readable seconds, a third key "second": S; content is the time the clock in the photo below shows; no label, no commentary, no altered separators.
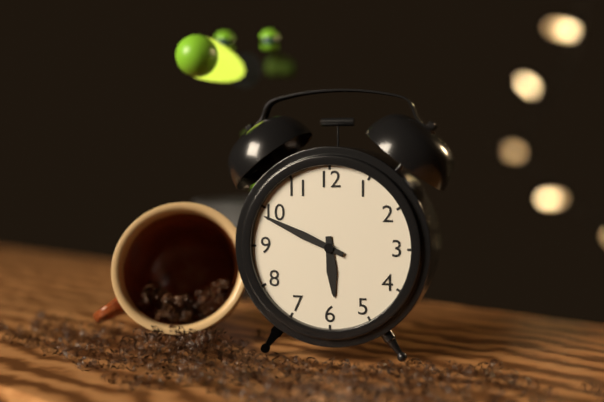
{"hour": 5, "minute": 49}
